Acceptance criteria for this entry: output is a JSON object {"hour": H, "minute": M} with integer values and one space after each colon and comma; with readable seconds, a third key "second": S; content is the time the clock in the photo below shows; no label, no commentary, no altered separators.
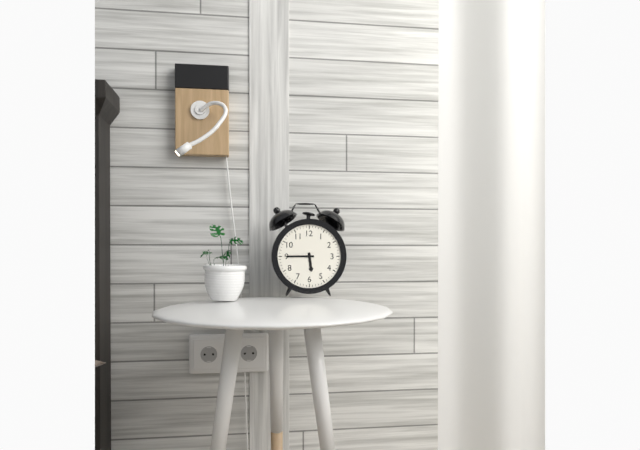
{"hour": 5, "minute": 45}
